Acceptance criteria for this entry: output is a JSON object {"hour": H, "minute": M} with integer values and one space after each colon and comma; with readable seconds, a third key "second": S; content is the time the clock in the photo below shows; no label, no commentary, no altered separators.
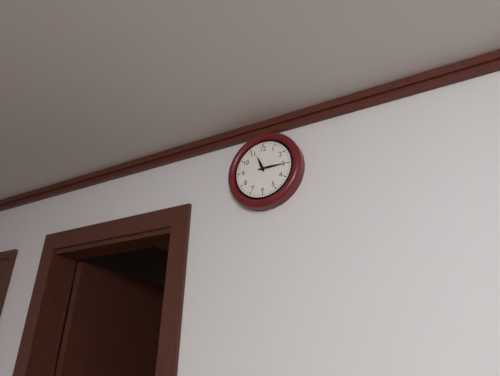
{"hour": 11, "minute": 15}
